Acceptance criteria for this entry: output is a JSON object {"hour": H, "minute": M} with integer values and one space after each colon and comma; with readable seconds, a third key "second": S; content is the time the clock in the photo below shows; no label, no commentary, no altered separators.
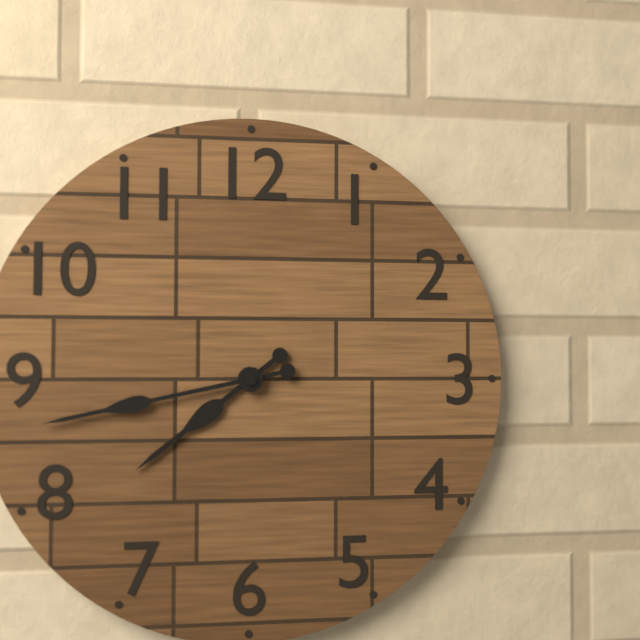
{"hour": 7, "minute": 43}
